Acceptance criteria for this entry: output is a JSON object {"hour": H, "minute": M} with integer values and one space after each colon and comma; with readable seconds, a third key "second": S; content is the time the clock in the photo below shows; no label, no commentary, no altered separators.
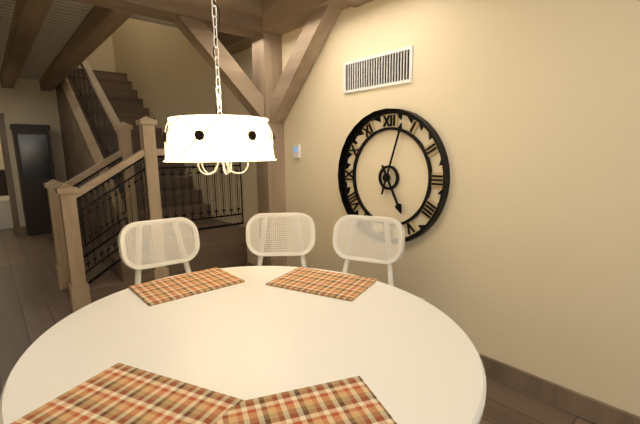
{"hour": 5, "minute": 3}
